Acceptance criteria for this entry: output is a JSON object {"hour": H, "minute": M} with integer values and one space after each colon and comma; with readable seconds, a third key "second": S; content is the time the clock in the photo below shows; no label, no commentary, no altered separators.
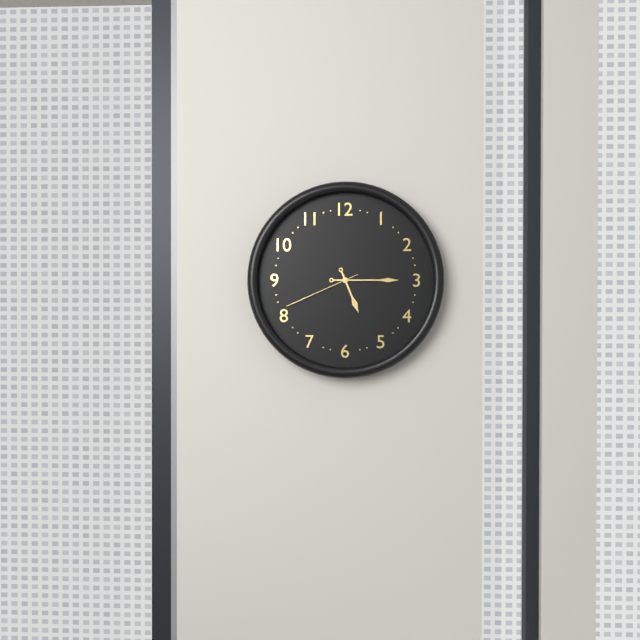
{"hour": 5, "minute": 15, "second": 41}
